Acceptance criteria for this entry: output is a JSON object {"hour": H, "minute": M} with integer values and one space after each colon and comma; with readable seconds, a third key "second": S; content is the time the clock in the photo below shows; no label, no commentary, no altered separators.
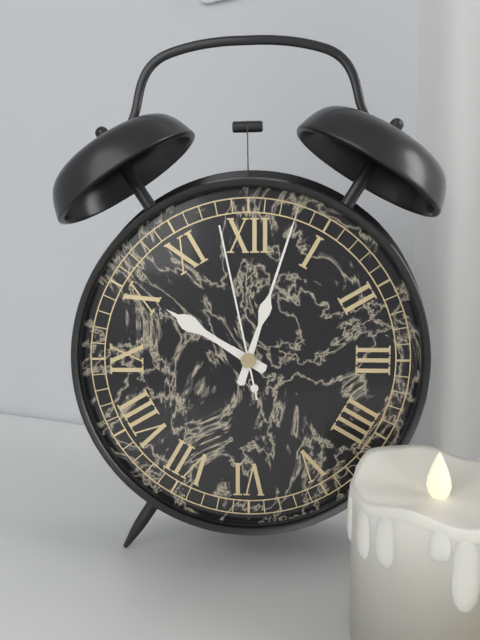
{"hour": 10, "minute": 3, "second": 58}
